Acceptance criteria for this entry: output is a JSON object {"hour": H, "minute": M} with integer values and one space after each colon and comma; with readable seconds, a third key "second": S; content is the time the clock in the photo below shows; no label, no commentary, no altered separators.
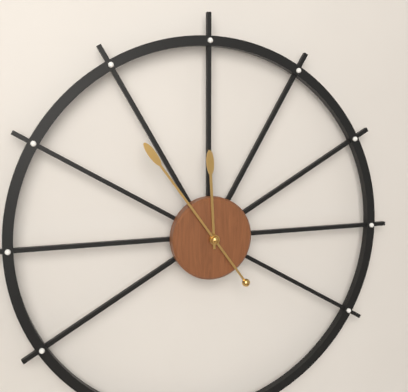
{"hour": 11, "minute": 54}
